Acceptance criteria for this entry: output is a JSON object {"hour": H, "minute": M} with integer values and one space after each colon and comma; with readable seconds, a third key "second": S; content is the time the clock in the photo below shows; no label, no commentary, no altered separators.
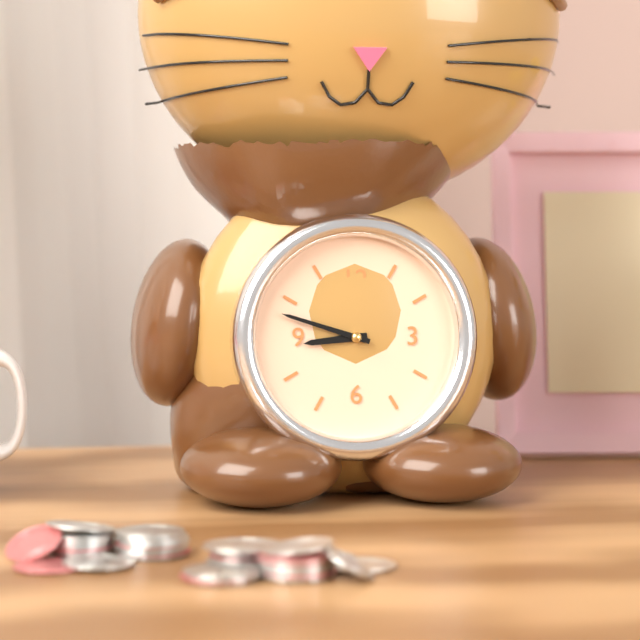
{"hour": 8, "minute": 48}
